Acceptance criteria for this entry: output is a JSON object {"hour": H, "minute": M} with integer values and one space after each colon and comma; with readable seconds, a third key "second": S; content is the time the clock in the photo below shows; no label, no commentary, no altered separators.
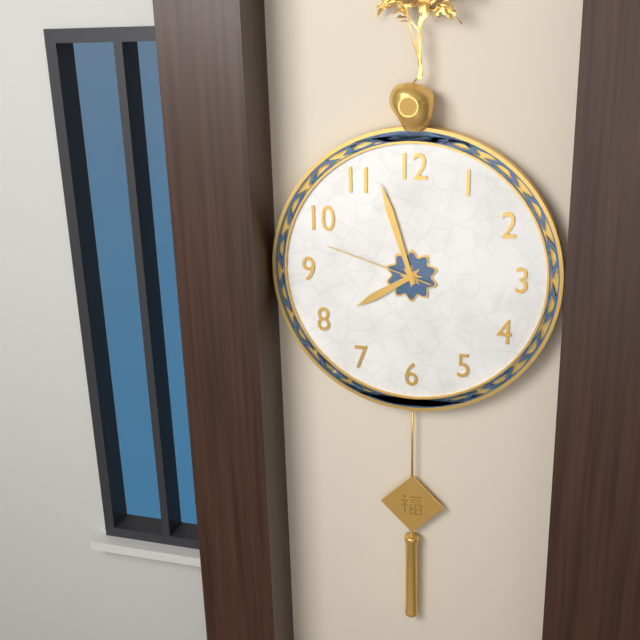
{"hour": 7, "minute": 57, "second": 48}
